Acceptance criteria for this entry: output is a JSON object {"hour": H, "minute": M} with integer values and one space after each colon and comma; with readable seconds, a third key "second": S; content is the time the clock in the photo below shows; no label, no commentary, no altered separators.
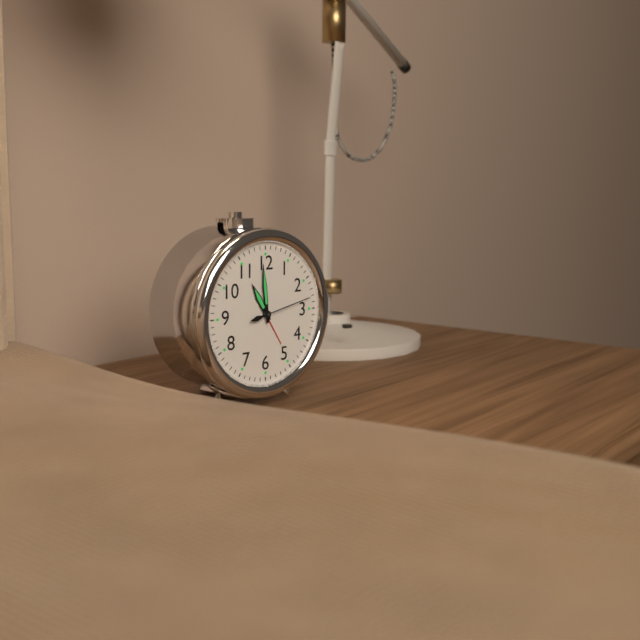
{"hour": 10, "minute": 59, "second": 13}
